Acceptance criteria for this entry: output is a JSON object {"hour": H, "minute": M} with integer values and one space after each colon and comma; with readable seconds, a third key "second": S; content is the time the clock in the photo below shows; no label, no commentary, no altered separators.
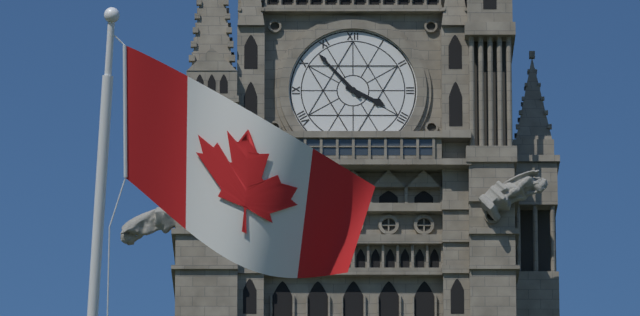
{"hour": 3, "minute": 53}
